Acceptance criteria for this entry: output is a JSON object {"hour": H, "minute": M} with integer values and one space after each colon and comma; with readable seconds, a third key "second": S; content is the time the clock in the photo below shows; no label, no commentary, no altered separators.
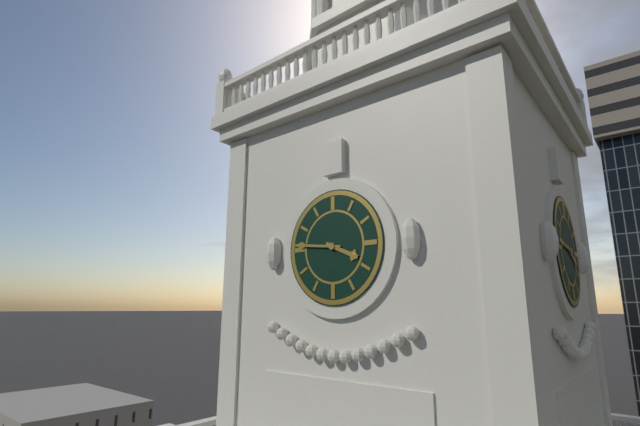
{"hour": 3, "minute": 46}
